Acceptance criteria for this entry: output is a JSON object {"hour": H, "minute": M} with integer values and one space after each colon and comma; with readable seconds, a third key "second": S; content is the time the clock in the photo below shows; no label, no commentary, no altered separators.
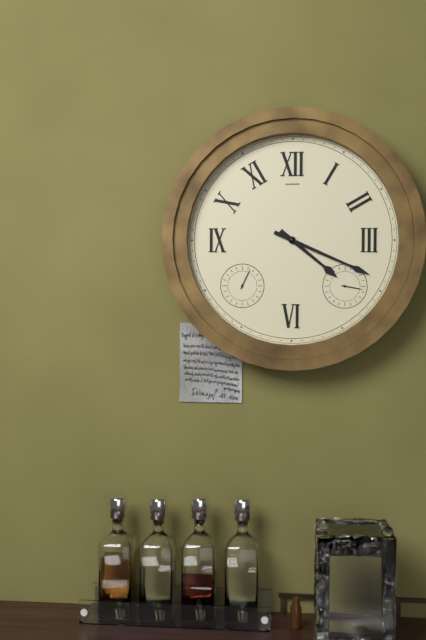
{"hour": 4, "minute": 19}
